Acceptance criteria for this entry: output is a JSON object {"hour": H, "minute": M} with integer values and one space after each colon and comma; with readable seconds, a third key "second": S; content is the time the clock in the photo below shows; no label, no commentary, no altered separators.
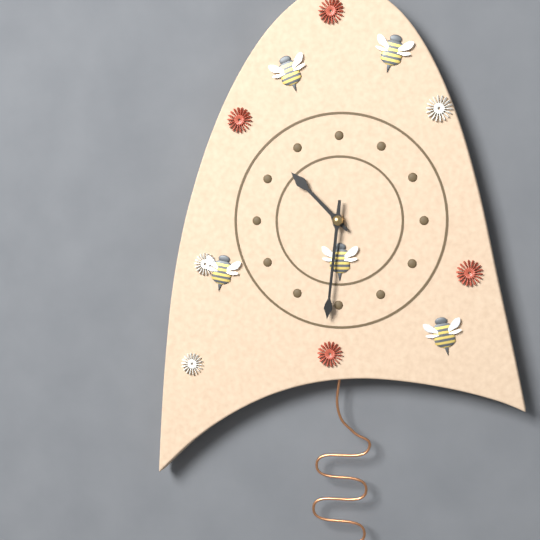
{"hour": 10, "minute": 31}
